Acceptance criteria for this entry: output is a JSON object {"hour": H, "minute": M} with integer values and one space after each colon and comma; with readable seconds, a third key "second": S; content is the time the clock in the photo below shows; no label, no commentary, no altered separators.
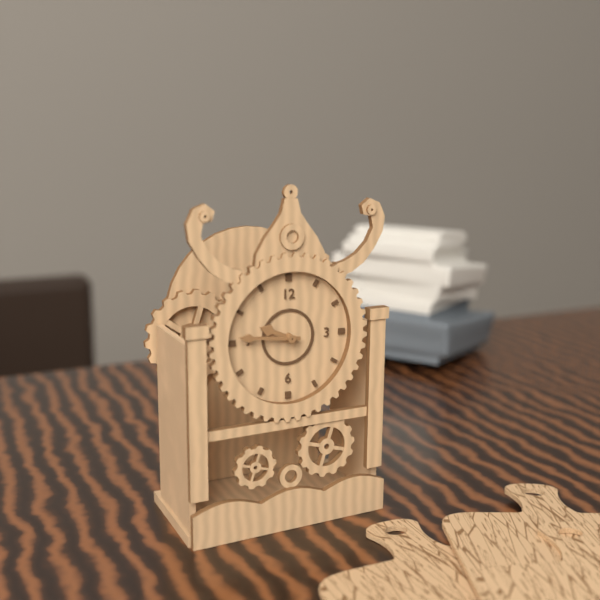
{"hour": 9, "minute": 46}
